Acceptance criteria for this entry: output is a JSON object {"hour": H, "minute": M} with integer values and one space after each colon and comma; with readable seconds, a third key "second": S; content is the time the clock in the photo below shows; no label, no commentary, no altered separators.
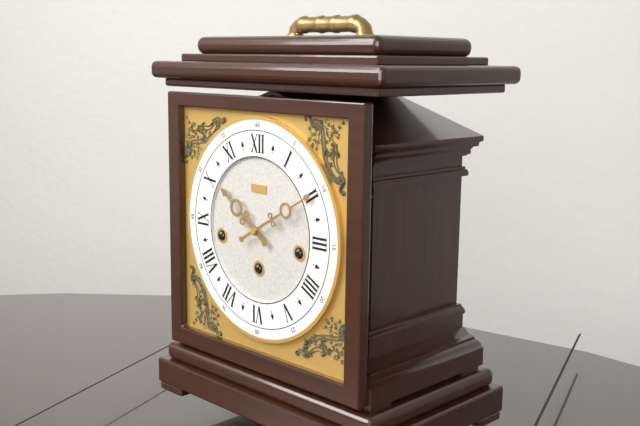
{"hour": 10, "minute": 10}
